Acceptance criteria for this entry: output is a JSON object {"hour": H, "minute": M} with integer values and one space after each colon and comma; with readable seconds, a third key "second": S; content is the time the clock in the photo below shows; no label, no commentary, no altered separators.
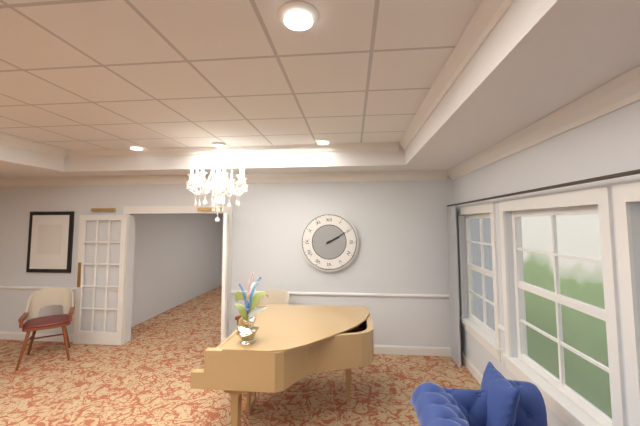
{"hour": 2, "minute": 10}
